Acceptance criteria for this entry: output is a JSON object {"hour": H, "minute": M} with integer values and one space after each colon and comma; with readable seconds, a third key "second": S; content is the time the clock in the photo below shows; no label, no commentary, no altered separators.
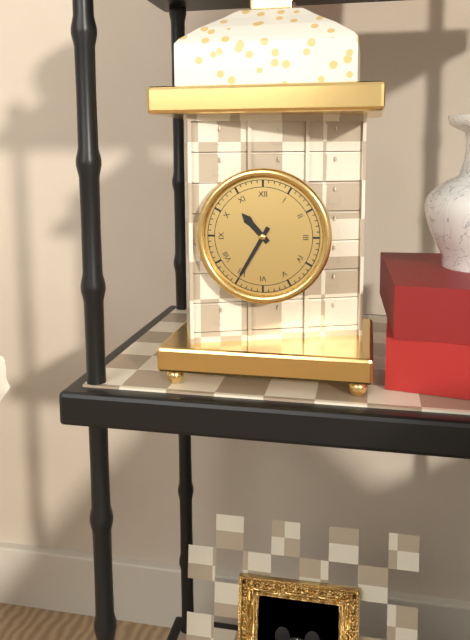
{"hour": 10, "minute": 35}
